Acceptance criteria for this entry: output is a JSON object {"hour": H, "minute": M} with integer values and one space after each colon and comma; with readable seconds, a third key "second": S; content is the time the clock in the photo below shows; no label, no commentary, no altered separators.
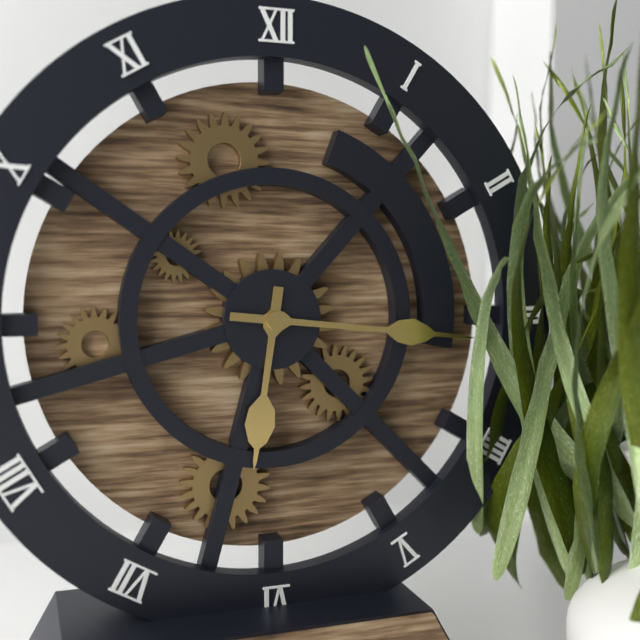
{"hour": 6, "minute": 16}
